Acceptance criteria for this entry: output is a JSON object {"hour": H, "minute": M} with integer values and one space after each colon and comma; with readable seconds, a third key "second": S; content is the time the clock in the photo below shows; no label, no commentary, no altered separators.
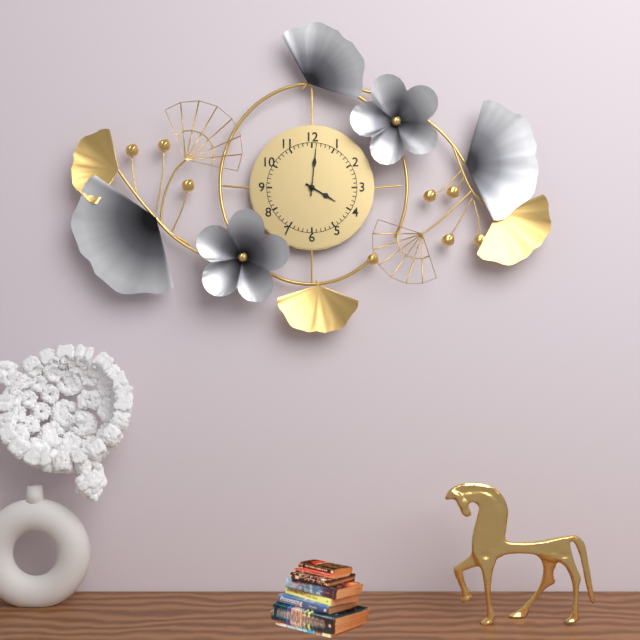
{"hour": 4, "minute": 1}
